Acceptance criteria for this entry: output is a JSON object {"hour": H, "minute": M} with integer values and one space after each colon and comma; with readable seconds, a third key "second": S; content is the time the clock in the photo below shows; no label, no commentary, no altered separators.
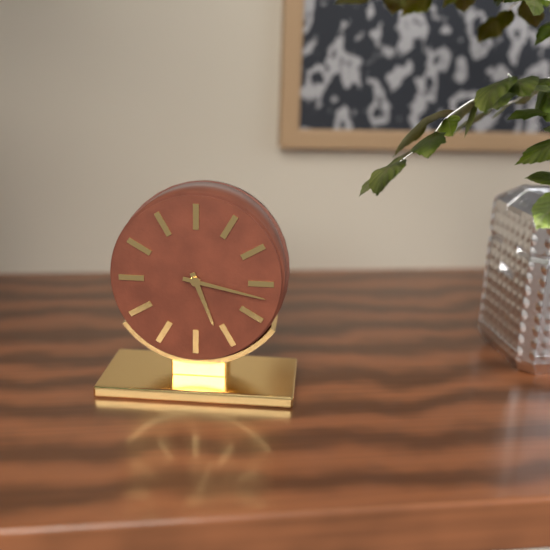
{"hour": 5, "minute": 17}
